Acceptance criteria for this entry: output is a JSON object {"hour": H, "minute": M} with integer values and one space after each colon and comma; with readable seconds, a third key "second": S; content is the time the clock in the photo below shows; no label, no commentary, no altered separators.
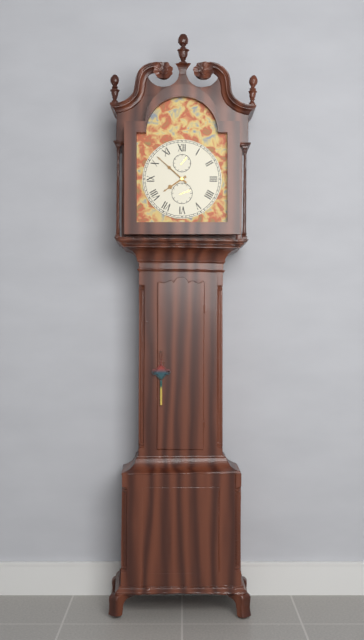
{"hour": 7, "minute": 52}
